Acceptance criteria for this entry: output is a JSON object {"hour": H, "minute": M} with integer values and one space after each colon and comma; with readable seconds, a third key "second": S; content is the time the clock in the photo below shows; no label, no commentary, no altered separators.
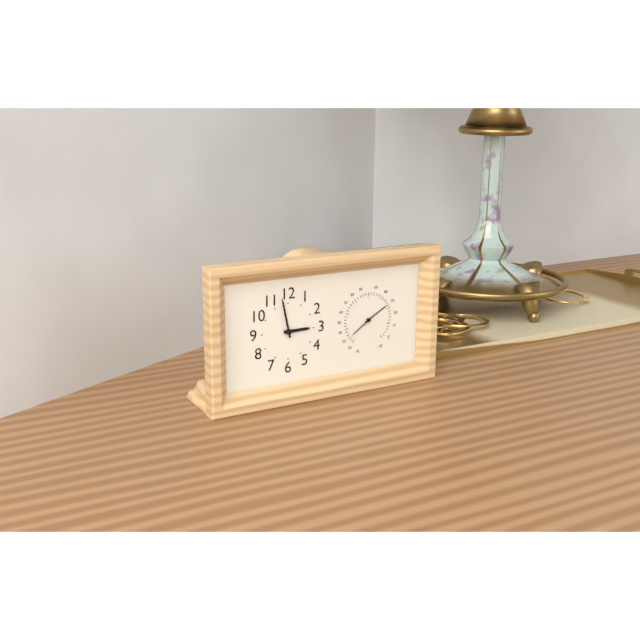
{"hour": 2, "minute": 58}
